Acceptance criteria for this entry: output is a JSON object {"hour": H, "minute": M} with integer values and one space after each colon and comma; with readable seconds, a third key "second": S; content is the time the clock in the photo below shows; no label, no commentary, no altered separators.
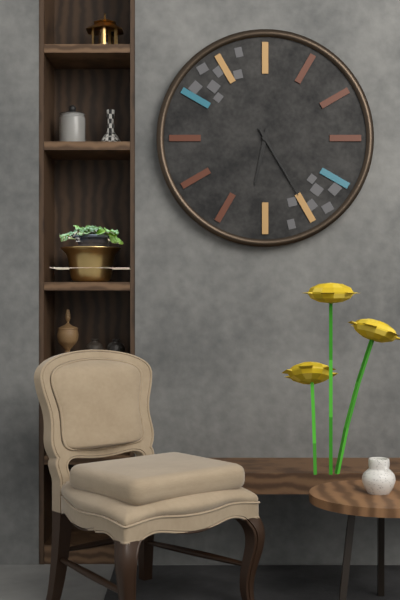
{"hour": 6, "minute": 25}
